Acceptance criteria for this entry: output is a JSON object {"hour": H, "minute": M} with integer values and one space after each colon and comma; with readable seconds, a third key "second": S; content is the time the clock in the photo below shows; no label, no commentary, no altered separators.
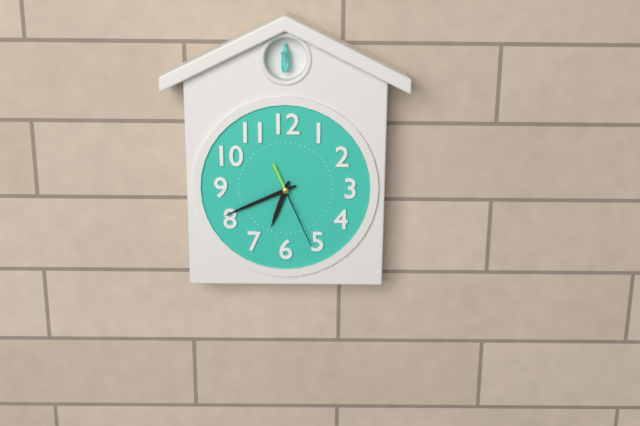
{"hour": 6, "minute": 41, "second": 26}
